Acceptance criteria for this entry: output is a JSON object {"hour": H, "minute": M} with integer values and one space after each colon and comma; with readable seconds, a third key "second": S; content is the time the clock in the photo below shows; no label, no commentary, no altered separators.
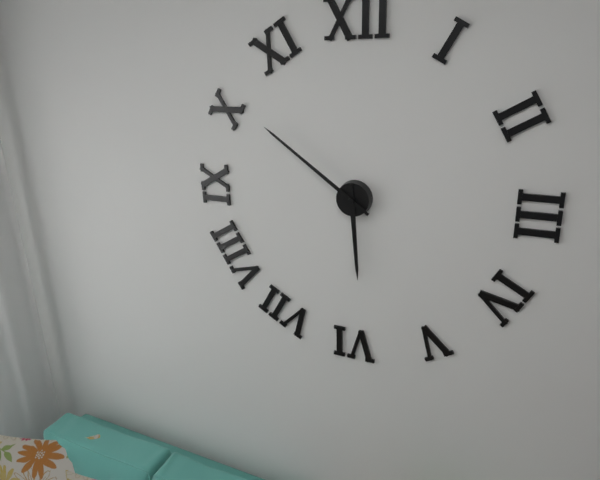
{"hour": 5, "minute": 51}
